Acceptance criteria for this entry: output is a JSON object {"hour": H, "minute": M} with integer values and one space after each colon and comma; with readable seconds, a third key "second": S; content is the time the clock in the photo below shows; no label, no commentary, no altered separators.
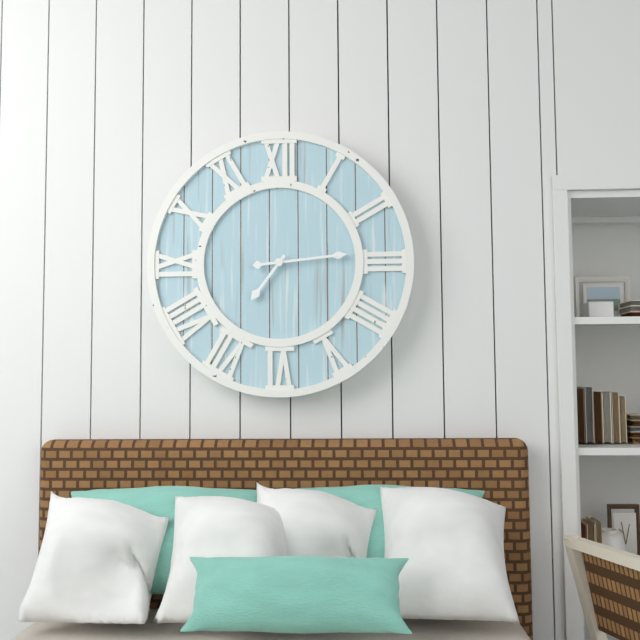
{"hour": 7, "minute": 14}
